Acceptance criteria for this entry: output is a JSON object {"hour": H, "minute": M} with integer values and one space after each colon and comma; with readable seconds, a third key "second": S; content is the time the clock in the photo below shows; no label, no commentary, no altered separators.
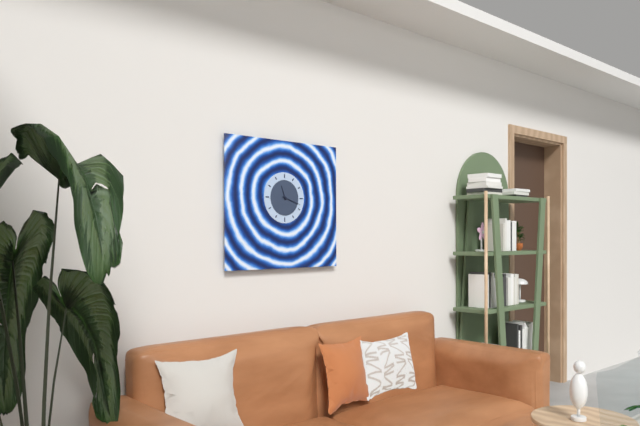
{"hour": 11, "minute": 18}
